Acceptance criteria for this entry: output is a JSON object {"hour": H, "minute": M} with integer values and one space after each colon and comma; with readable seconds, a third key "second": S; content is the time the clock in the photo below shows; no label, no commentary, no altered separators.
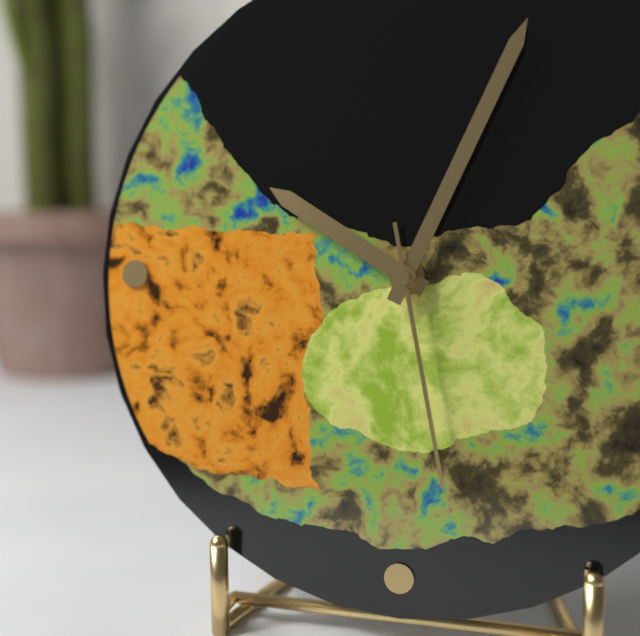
{"hour": 10, "minute": 4, "second": 28}
